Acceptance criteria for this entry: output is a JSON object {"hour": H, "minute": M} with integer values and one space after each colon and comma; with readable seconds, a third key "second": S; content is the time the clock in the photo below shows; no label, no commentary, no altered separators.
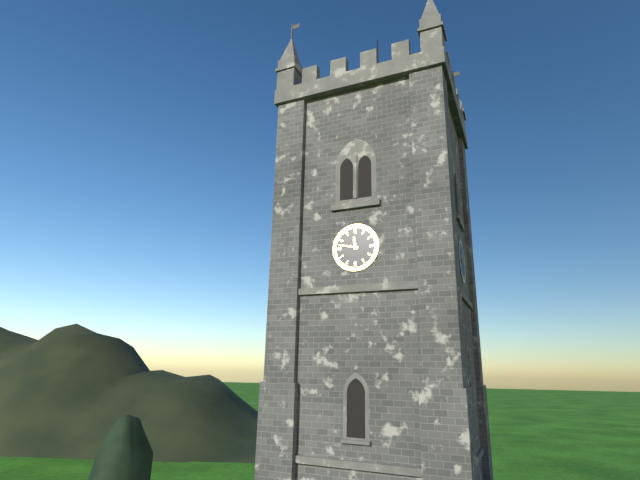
{"hour": 11, "minute": 47}
